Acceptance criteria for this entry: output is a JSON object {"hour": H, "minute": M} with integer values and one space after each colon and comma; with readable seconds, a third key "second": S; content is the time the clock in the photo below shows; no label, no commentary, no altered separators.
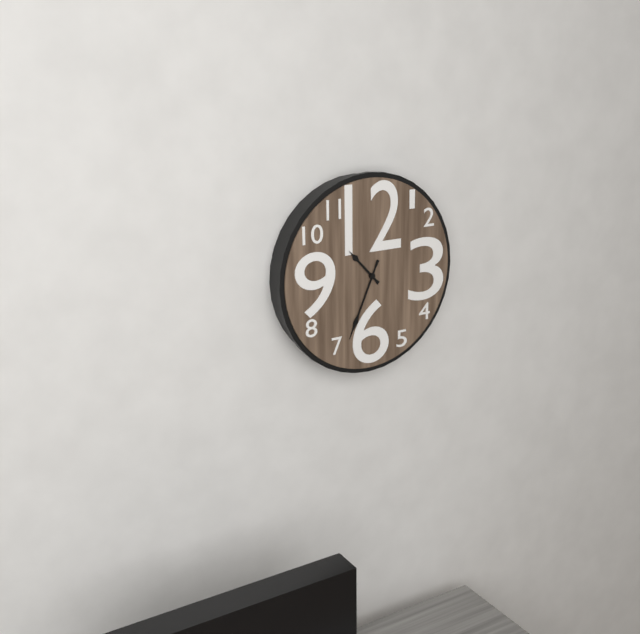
{"hour": 10, "minute": 34}
